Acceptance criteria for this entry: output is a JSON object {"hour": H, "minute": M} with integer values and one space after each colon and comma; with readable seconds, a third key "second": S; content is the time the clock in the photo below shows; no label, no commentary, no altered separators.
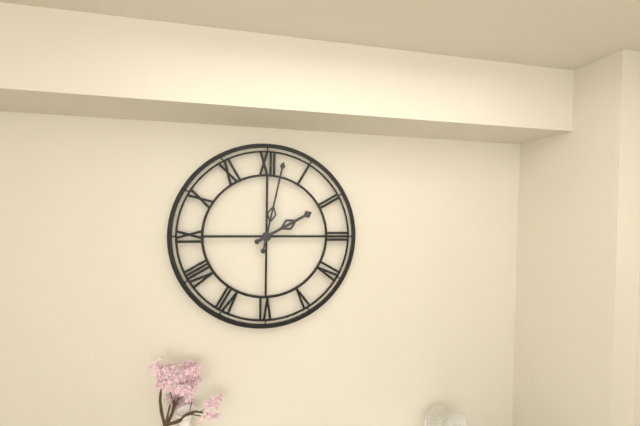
{"hour": 2, "minute": 2}
